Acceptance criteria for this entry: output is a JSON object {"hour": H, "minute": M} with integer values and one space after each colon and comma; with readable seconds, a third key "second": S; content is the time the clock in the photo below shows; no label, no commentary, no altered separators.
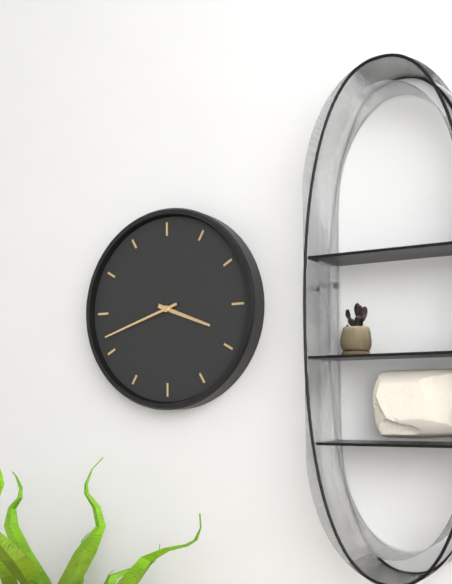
{"hour": 3, "minute": 42}
